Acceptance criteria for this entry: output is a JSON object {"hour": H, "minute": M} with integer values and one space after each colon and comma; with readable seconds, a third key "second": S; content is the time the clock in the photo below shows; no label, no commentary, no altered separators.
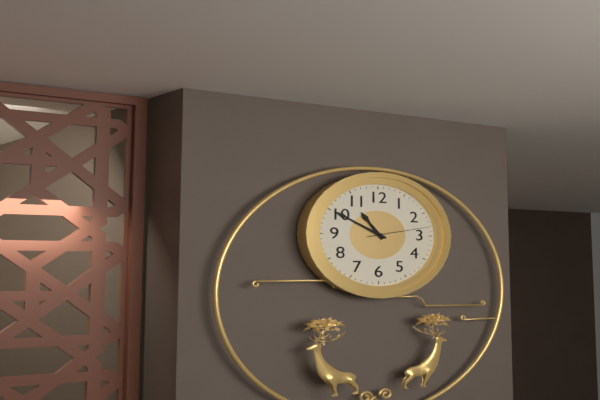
{"hour": 10, "minute": 50, "second": 13}
